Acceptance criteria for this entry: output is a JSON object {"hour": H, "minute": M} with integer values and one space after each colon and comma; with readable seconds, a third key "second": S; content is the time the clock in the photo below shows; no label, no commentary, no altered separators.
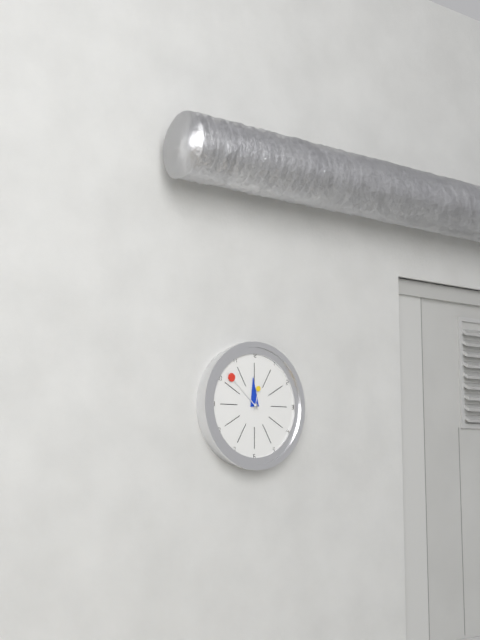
{"hour": 11, "minute": 52}
